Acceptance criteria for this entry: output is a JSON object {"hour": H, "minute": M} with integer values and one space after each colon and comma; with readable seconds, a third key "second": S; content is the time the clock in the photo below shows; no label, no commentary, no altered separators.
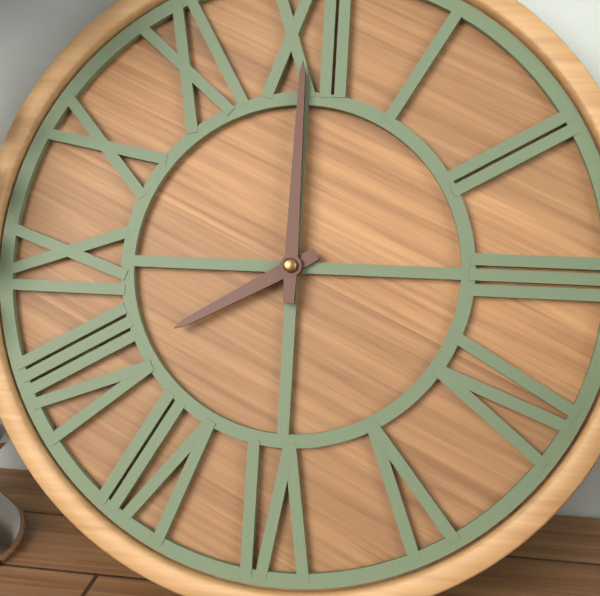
{"hour": 8, "minute": 0}
